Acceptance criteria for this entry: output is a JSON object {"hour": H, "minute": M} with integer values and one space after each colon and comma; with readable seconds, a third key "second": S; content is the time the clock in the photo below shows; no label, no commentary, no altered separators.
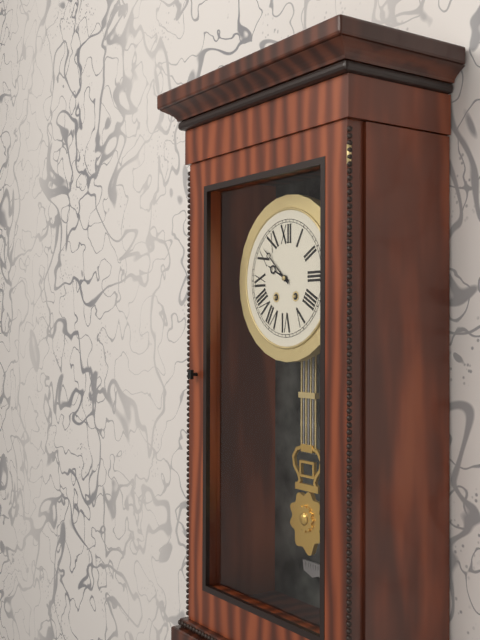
{"hour": 9, "minute": 52}
